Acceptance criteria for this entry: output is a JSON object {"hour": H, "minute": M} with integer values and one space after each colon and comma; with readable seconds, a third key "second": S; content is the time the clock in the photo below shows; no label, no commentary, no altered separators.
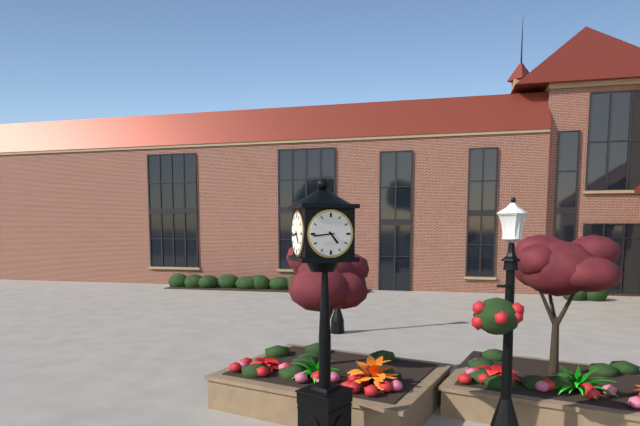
{"hour": 4, "minute": 44}
